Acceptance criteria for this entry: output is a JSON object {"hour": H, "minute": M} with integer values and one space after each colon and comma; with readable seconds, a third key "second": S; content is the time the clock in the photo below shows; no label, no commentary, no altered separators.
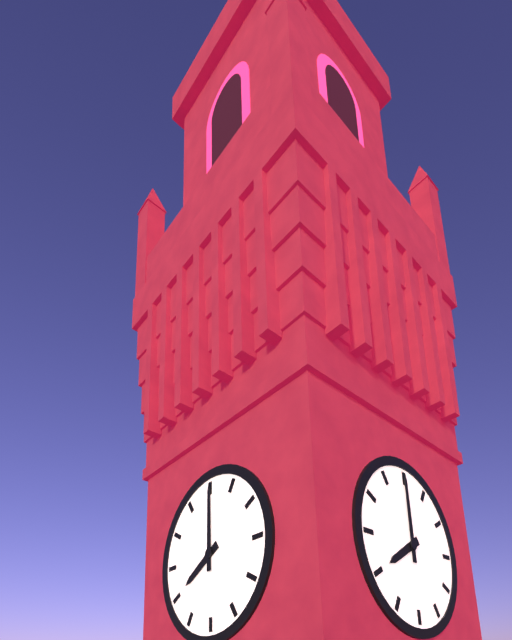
{"hour": 8, "minute": 0}
